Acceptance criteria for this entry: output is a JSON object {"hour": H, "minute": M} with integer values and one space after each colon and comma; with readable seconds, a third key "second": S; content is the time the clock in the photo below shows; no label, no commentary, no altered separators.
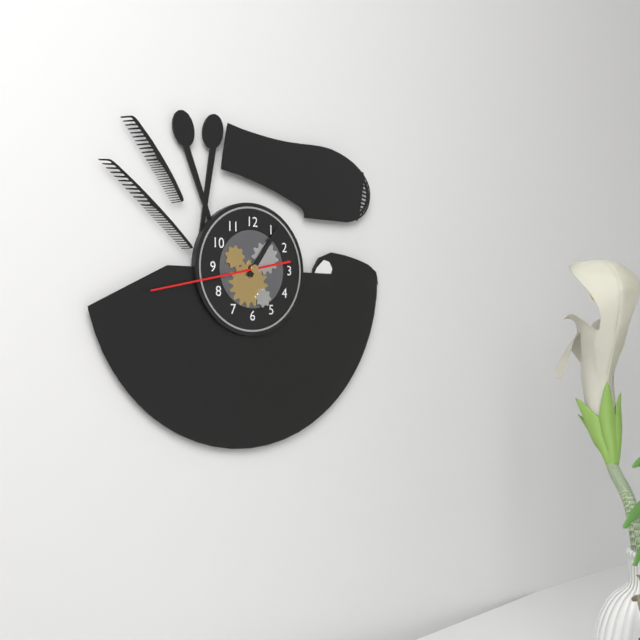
{"hour": 1, "minute": 6, "second": 43}
